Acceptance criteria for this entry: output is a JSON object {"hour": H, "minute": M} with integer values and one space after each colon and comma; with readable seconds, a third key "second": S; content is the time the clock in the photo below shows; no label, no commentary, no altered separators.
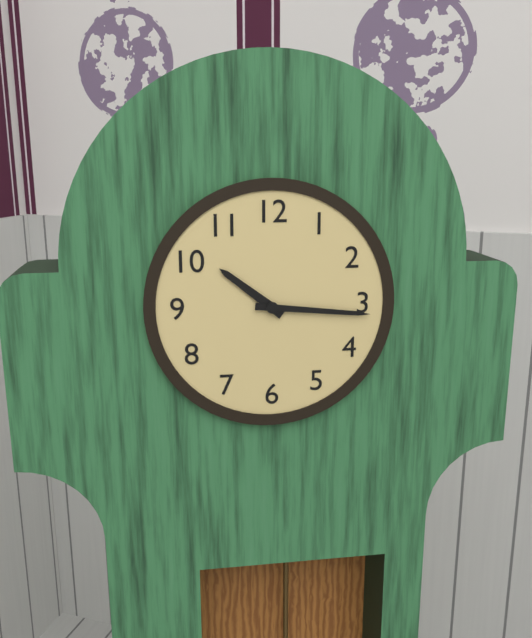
{"hour": 10, "minute": 16}
